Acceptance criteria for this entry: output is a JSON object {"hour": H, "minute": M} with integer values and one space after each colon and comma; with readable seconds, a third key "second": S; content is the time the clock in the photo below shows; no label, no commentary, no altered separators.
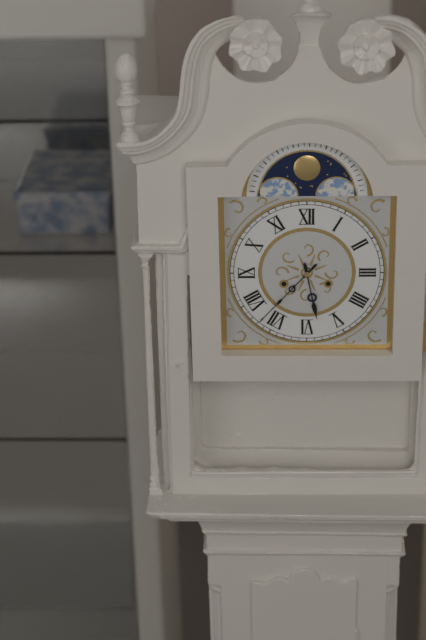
{"hour": 5, "minute": 37}
